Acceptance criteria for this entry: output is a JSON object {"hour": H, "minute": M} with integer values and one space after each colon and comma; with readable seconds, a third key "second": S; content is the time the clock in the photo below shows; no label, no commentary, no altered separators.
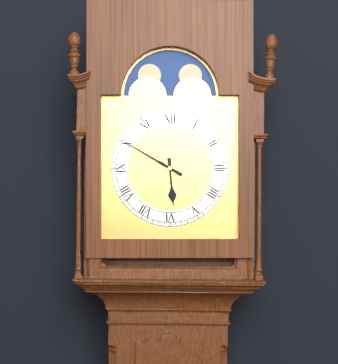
{"hour": 5, "minute": 50}
